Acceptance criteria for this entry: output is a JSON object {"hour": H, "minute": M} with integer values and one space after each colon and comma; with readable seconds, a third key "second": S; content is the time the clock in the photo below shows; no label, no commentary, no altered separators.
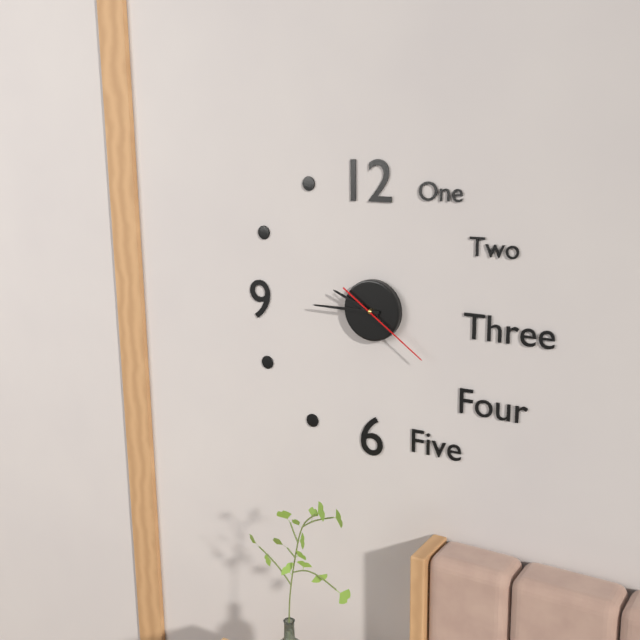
{"hour": 9, "minute": 45, "second": 21}
